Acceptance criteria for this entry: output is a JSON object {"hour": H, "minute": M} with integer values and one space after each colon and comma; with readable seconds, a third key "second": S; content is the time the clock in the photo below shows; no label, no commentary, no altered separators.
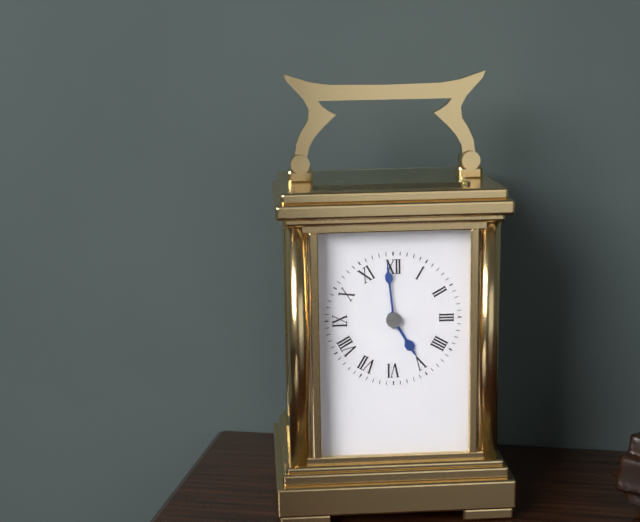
{"hour": 4, "minute": 59}
